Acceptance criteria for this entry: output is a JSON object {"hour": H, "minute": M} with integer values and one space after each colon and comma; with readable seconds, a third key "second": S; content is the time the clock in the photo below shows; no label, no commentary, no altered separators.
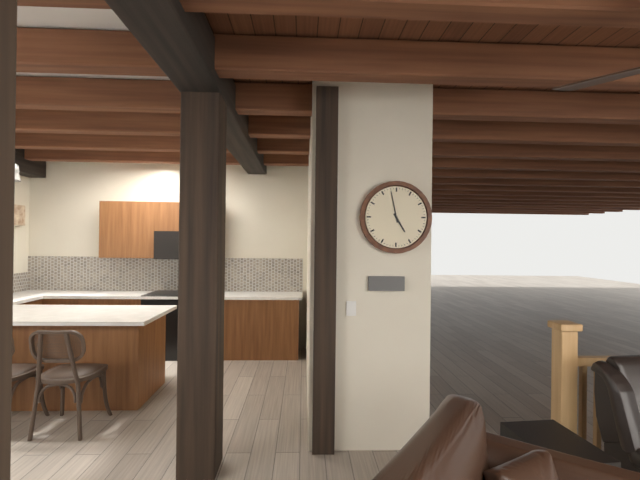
{"hour": 4, "minute": 58}
